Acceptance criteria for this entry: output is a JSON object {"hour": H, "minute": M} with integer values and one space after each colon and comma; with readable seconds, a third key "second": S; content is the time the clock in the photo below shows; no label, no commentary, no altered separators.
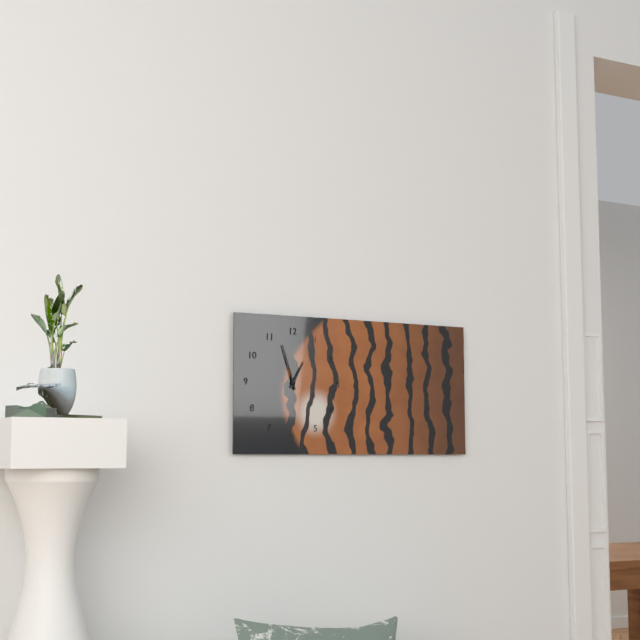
{"hour": 12, "minute": 57}
